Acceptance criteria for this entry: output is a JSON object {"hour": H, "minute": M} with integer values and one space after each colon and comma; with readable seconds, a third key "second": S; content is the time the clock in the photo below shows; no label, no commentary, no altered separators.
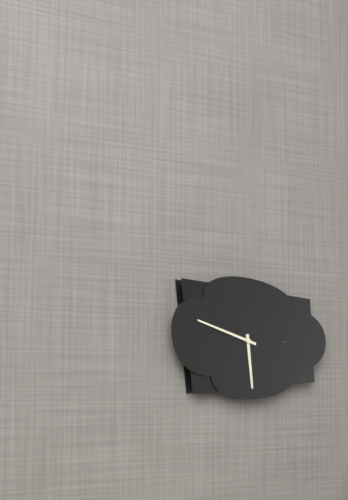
{"hour": 5, "minute": 48}
